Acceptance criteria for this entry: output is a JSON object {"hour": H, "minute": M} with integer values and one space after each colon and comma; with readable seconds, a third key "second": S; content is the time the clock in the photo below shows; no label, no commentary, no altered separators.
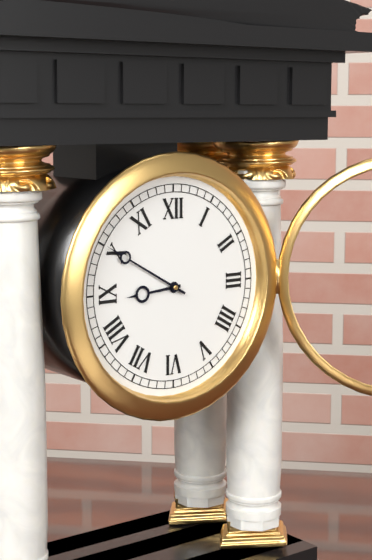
{"hour": 8, "minute": 50}
